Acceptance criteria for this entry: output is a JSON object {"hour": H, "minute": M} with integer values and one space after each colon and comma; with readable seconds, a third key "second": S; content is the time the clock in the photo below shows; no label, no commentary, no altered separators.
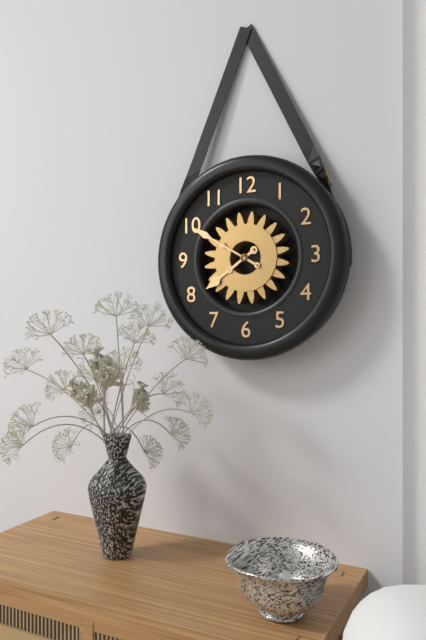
{"hour": 7, "minute": 50}
